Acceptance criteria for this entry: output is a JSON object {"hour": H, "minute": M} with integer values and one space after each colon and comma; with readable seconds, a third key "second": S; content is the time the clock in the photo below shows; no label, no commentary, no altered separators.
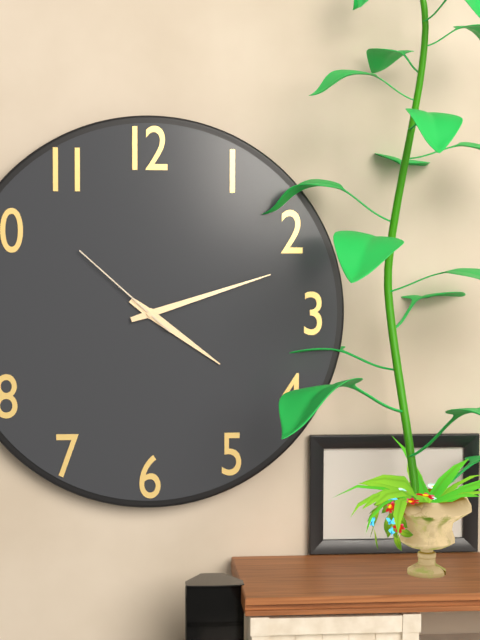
{"hour": 4, "minute": 12, "second": 52}
